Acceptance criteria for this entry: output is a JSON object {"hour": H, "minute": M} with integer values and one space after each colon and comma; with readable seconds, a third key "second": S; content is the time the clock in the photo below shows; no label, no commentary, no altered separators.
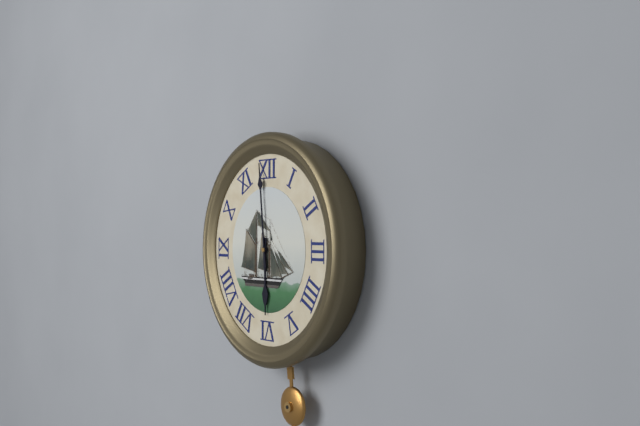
{"hour": 5, "minute": 59}
